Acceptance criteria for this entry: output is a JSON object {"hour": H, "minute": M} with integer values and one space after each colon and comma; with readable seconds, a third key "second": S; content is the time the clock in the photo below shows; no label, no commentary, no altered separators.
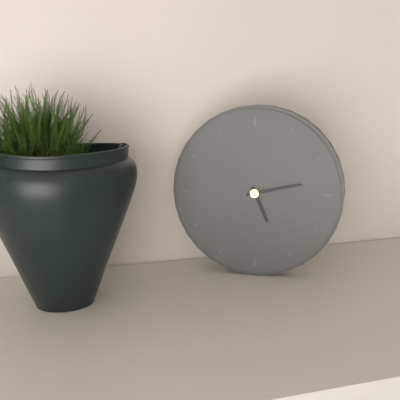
{"hour": 5, "minute": 13}
